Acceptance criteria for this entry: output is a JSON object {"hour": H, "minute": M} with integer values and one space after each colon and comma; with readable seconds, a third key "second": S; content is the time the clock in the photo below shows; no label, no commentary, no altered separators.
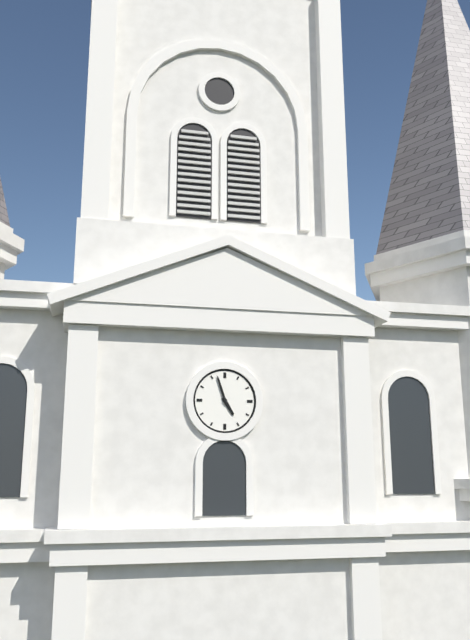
{"hour": 4, "minute": 57}
